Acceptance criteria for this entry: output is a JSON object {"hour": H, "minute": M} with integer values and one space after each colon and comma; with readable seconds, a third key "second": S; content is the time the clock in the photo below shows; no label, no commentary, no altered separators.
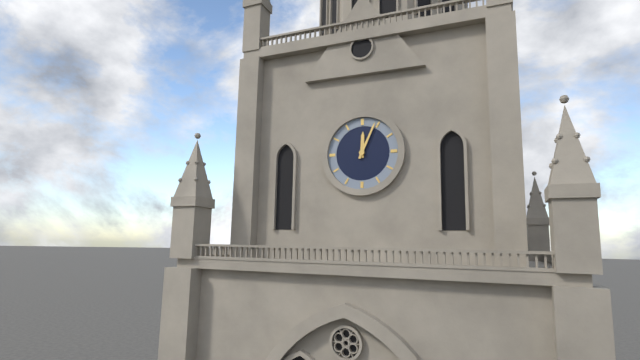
{"hour": 12, "minute": 4}
